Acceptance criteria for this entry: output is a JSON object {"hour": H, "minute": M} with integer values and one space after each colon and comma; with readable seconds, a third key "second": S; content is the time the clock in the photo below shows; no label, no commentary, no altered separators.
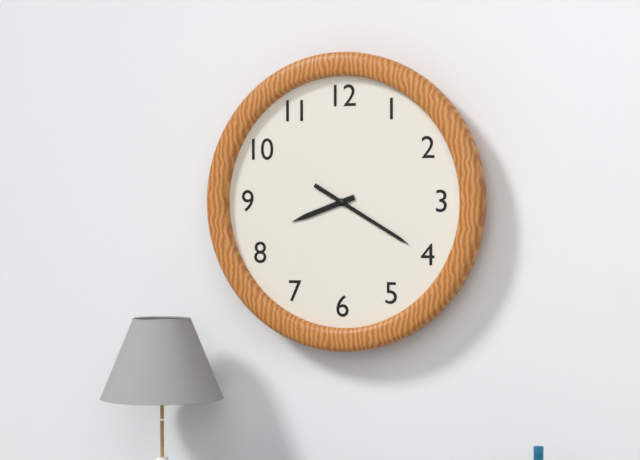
{"hour": 8, "minute": 20}
